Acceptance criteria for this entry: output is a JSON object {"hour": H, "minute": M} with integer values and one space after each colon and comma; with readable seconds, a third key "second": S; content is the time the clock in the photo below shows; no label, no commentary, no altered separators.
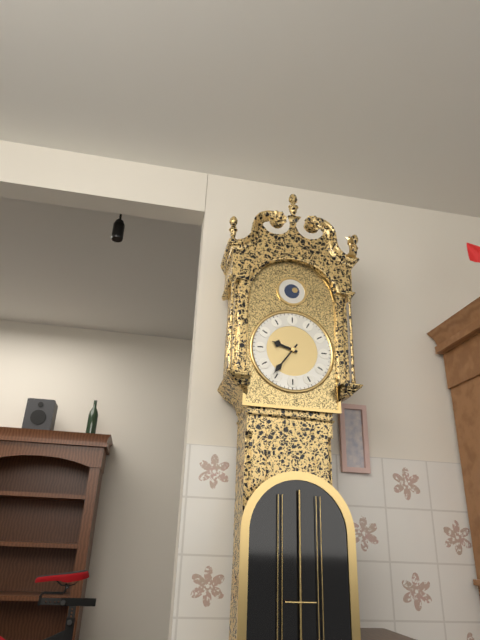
{"hour": 9, "minute": 36}
